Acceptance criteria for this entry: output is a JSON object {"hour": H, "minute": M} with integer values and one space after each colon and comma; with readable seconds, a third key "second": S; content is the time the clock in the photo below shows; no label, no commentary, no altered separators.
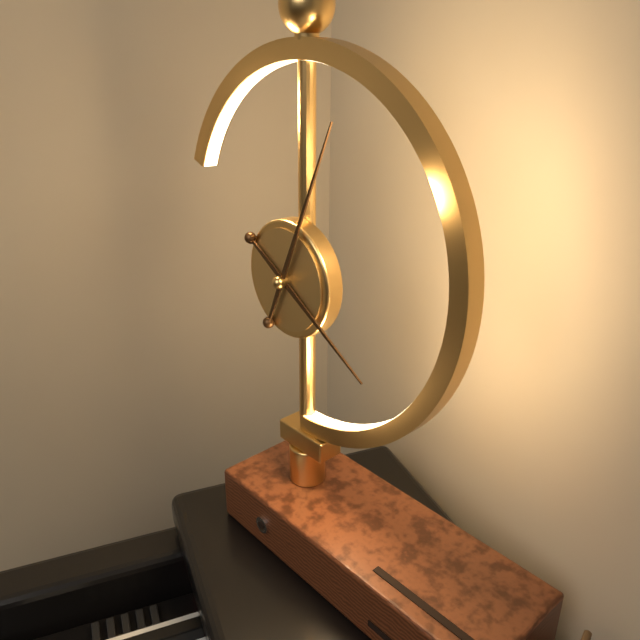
{"hour": 4, "minute": 4}
